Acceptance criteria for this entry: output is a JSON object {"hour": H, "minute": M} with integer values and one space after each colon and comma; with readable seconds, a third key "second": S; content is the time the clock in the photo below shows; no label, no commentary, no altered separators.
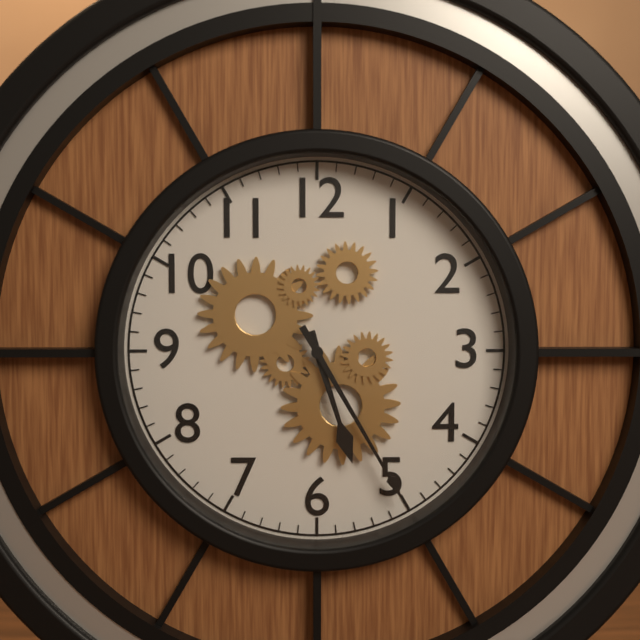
{"hour": 5, "minute": 25}
